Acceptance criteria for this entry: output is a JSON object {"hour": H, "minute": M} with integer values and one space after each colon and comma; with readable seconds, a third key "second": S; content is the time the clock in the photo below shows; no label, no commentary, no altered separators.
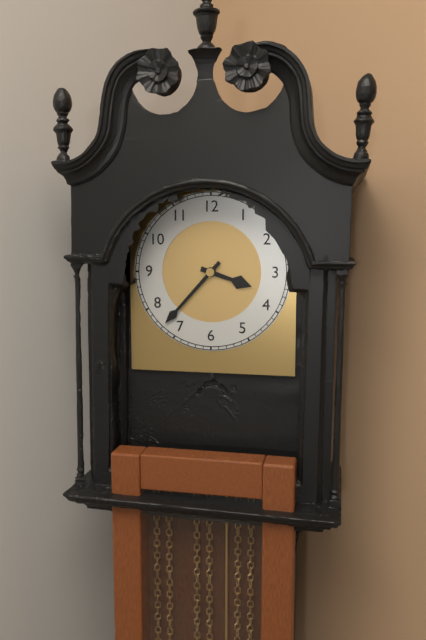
{"hour": 3, "minute": 37}
